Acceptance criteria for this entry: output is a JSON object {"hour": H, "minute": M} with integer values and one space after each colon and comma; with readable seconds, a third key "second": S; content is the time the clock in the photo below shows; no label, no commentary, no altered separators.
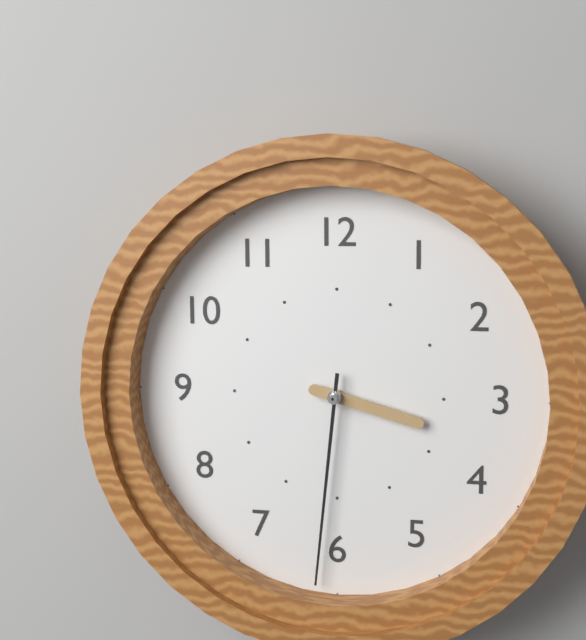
{"hour": 3, "minute": 31}
